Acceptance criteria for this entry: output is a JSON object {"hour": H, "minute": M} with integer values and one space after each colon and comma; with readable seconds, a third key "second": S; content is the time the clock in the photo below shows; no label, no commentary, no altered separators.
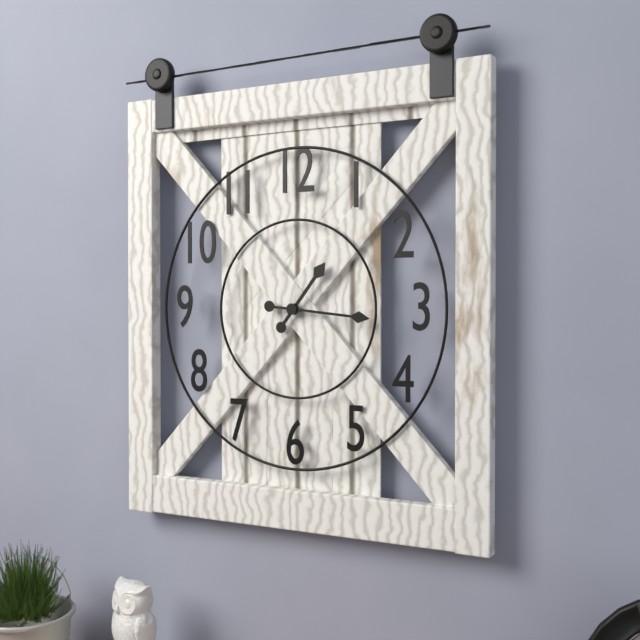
{"hour": 1, "minute": 16}
